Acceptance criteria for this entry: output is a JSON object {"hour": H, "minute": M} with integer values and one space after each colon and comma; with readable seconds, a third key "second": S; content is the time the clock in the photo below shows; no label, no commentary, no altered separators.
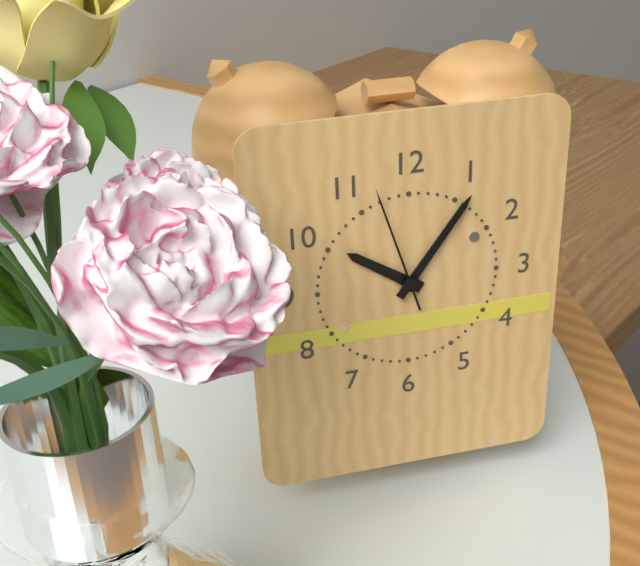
{"hour": 10, "minute": 6, "second": 57}
